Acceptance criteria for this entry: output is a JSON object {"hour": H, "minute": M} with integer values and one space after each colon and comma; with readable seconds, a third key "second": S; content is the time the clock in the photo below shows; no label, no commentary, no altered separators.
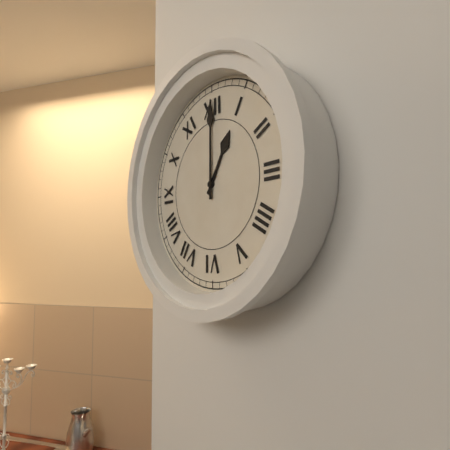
{"hour": 1, "minute": 0}
